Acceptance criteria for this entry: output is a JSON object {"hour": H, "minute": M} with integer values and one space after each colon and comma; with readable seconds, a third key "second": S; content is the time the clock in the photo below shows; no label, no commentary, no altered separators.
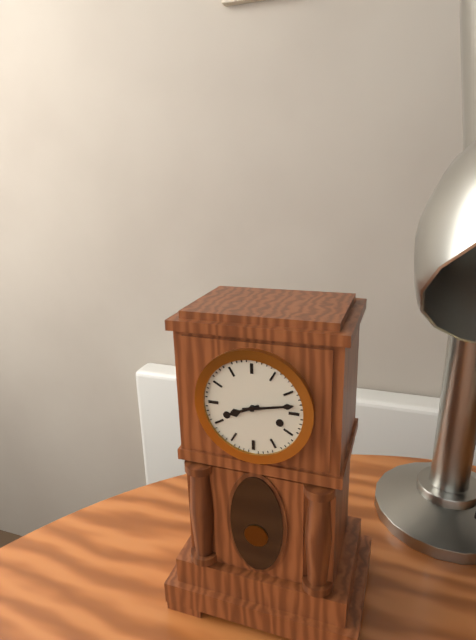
{"hour": 8, "minute": 13}
